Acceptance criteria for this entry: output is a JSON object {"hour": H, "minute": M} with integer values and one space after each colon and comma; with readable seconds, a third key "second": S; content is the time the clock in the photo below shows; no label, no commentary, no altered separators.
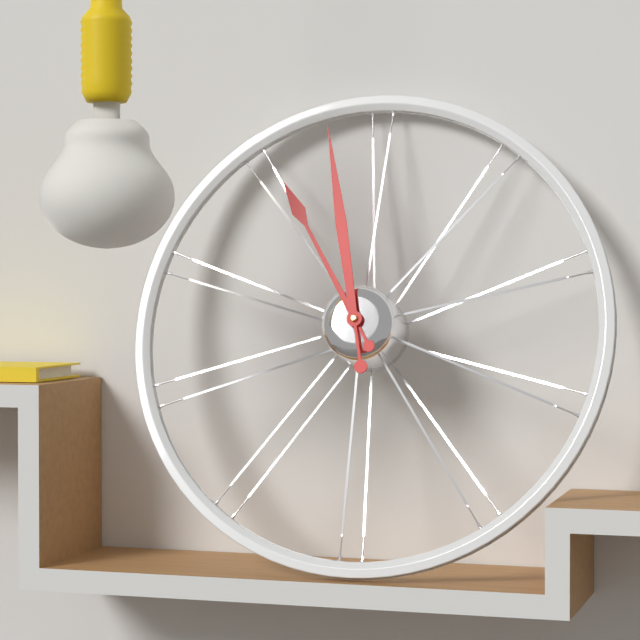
{"hour": 10, "minute": 58}
